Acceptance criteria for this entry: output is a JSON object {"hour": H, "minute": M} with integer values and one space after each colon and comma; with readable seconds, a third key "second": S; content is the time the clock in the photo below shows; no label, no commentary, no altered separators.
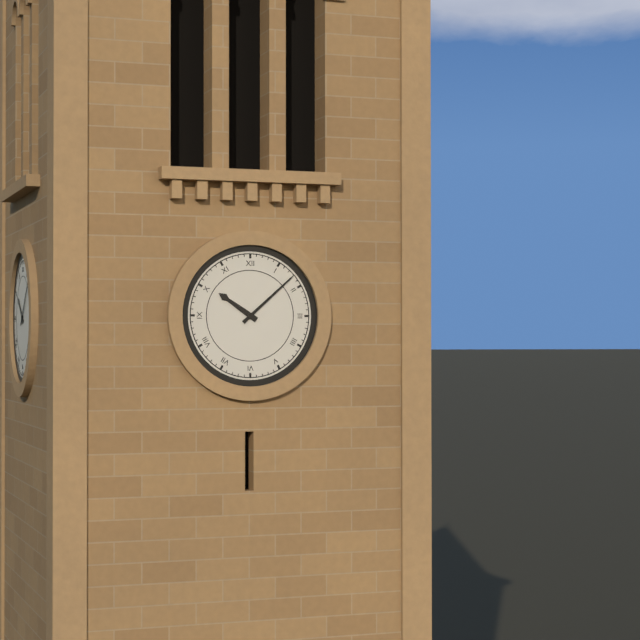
{"hour": 10, "minute": 8}
